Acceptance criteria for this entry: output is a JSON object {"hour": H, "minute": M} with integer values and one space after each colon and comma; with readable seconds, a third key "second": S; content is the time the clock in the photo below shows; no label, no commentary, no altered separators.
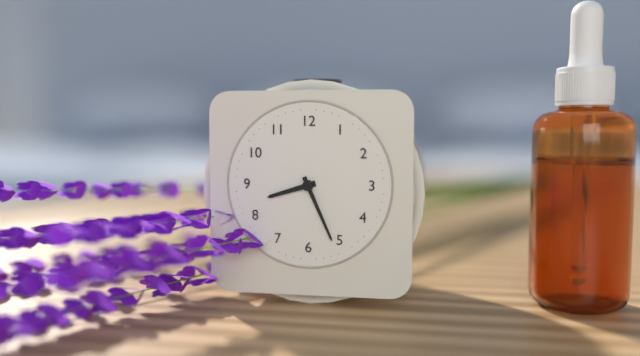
{"hour": 8, "minute": 26}
